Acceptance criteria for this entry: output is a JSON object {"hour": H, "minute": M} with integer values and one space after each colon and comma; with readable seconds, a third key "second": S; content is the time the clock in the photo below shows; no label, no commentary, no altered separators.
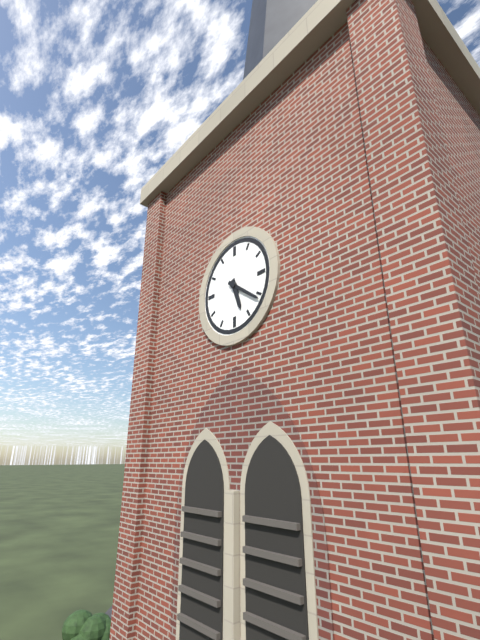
{"hour": 5, "minute": 21}
